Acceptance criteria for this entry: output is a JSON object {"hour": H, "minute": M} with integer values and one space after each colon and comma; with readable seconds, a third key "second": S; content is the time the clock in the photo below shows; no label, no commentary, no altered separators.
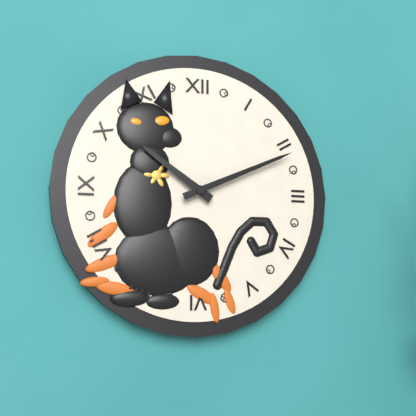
{"hour": 10, "minute": 11}
